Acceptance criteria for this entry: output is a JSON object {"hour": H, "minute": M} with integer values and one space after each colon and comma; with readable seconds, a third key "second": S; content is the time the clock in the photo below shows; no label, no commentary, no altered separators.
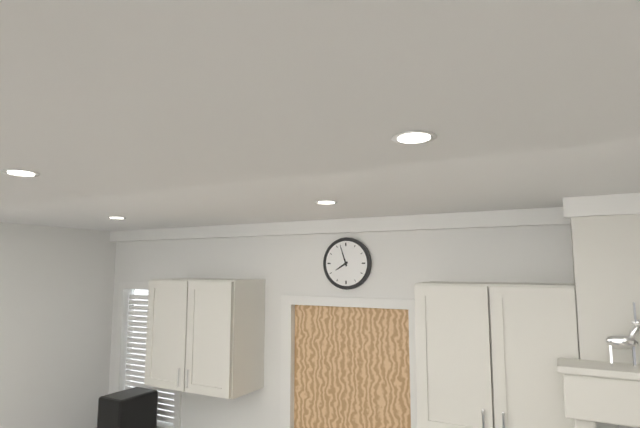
{"hour": 7, "minute": 57}
